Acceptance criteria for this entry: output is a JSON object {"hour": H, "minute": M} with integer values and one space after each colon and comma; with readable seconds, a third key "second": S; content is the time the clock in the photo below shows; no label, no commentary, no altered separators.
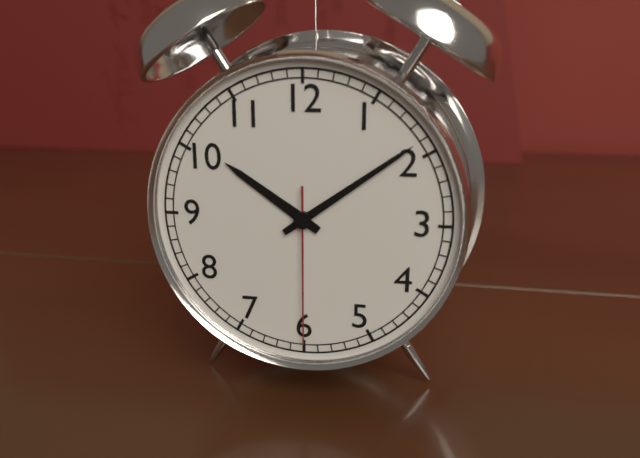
{"hour": 10, "minute": 9, "second": 30}
